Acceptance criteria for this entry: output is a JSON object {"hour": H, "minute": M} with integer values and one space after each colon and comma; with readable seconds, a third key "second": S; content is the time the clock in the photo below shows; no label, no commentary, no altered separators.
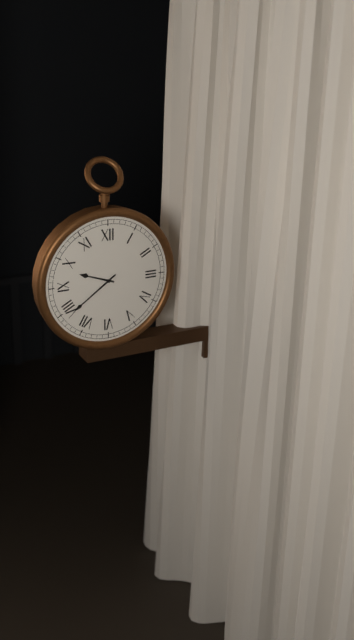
{"hour": 9, "minute": 39}
